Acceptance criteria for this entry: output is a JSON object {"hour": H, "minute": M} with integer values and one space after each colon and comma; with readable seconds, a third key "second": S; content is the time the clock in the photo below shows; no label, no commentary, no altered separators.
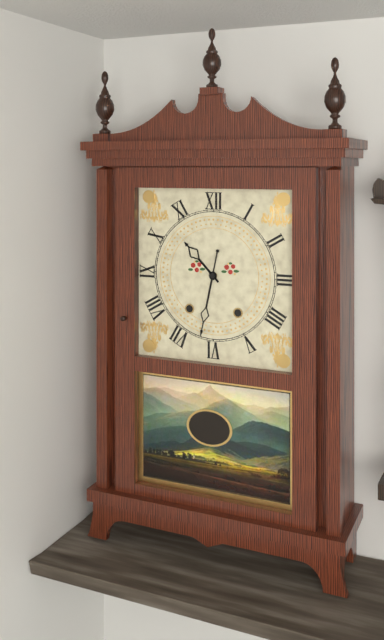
{"hour": 10, "minute": 32}
